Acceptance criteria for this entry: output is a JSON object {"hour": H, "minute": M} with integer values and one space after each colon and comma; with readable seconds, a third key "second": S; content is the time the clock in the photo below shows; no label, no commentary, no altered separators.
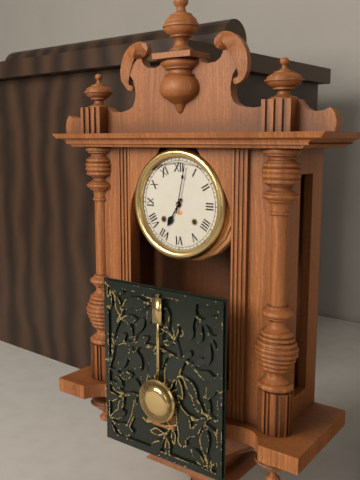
{"hour": 7, "minute": 2}
